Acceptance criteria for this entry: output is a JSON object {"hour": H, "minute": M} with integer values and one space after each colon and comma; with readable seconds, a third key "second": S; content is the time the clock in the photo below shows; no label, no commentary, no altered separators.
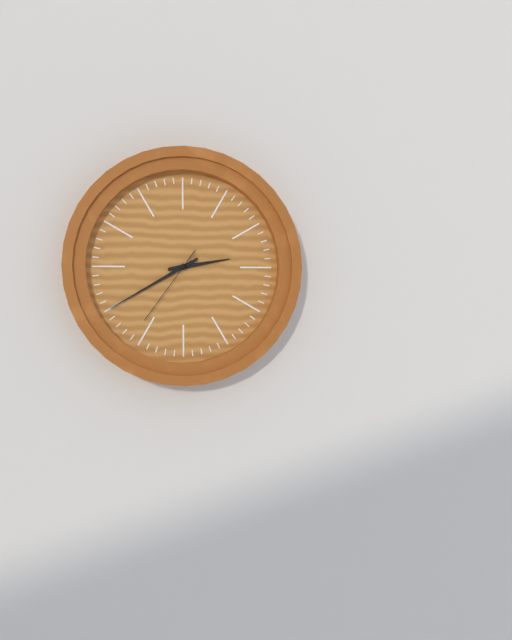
{"hour": 2, "minute": 40, "second": 36}
